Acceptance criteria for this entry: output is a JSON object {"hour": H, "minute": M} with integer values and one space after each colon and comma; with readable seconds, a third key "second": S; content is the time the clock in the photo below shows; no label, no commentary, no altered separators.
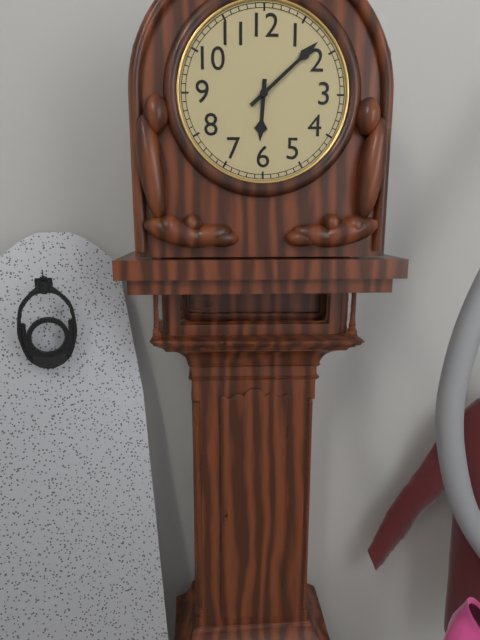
{"hour": 6, "minute": 8}
